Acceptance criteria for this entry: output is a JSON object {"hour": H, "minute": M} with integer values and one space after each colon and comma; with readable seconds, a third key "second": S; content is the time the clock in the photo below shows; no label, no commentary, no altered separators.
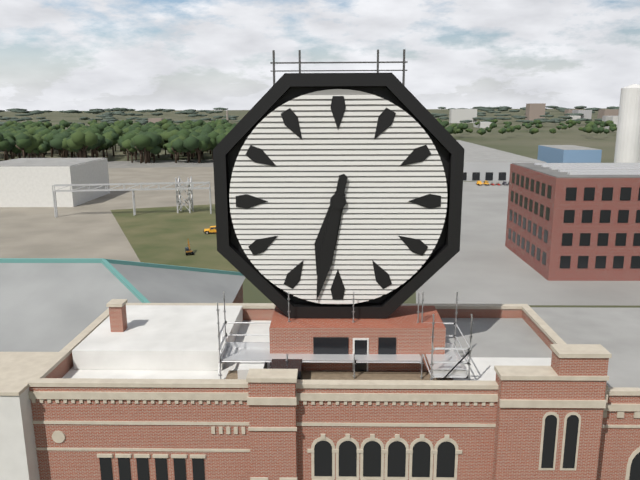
{"hour": 6, "minute": 32}
